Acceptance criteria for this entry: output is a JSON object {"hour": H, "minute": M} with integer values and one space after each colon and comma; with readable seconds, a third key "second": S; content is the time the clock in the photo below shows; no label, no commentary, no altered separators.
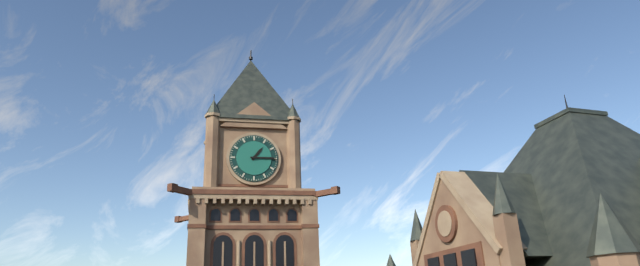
{"hour": 1, "minute": 15}
